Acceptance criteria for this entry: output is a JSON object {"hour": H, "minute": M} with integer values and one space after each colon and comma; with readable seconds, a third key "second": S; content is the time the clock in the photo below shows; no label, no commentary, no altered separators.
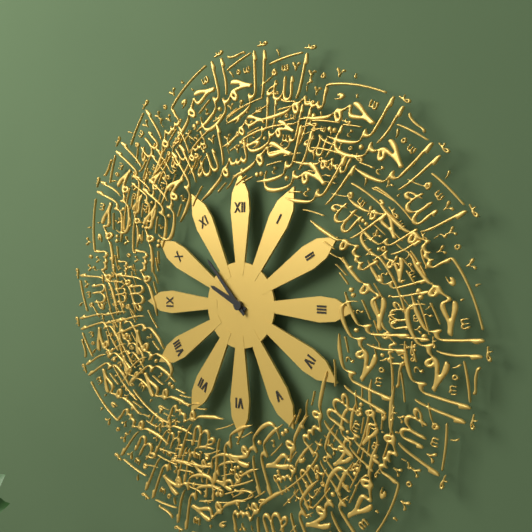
{"hour": 9, "minute": 53}
